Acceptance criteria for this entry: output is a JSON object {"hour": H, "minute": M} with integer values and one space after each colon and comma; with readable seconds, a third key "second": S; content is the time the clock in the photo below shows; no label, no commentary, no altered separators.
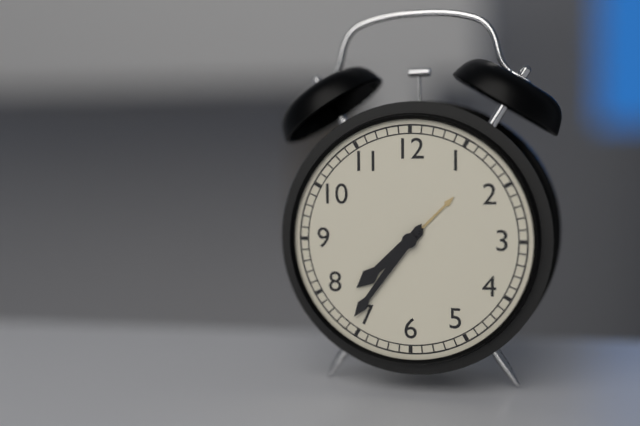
{"hour": 7, "minute": 36}
